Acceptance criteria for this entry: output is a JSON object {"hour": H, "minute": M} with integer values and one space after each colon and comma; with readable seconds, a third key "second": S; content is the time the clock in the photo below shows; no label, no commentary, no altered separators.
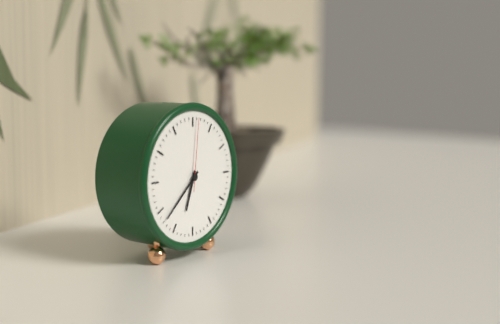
{"hour": 6, "minute": 38, "second": 1}
